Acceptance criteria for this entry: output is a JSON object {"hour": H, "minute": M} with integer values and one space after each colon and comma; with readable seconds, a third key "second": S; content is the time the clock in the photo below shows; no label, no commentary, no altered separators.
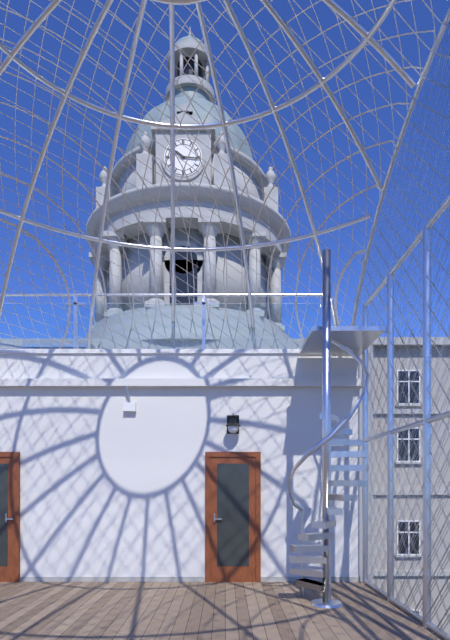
{"hour": 10, "minute": 16}
